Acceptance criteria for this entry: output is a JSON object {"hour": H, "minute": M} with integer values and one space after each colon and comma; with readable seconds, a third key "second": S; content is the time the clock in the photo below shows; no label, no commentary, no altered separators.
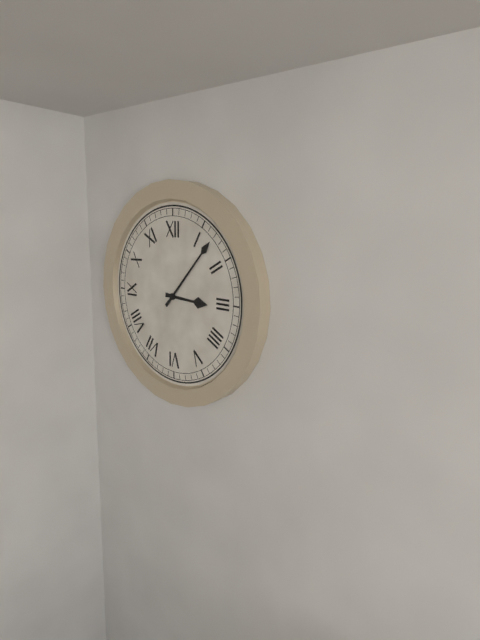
{"hour": 3, "minute": 7}
